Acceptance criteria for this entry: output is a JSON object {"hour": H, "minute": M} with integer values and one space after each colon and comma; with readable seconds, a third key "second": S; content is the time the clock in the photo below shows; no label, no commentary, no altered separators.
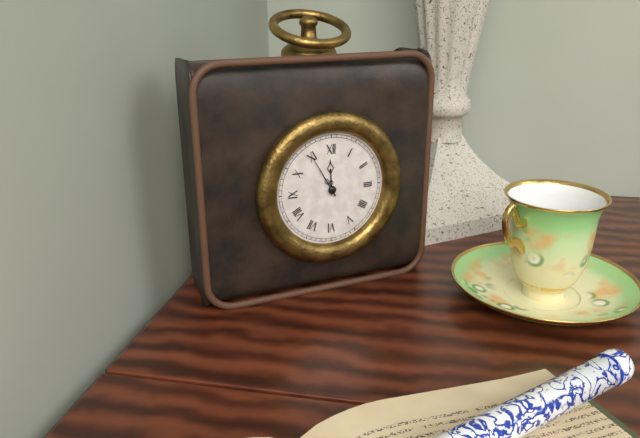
{"hour": 11, "minute": 55}
